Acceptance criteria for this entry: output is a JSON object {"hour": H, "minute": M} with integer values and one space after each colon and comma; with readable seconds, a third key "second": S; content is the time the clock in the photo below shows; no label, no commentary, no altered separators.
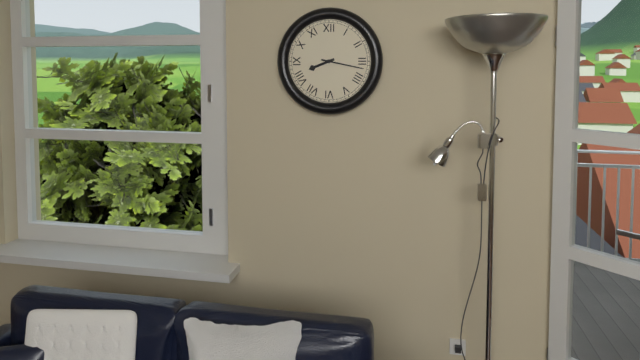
{"hour": 8, "minute": 17}
